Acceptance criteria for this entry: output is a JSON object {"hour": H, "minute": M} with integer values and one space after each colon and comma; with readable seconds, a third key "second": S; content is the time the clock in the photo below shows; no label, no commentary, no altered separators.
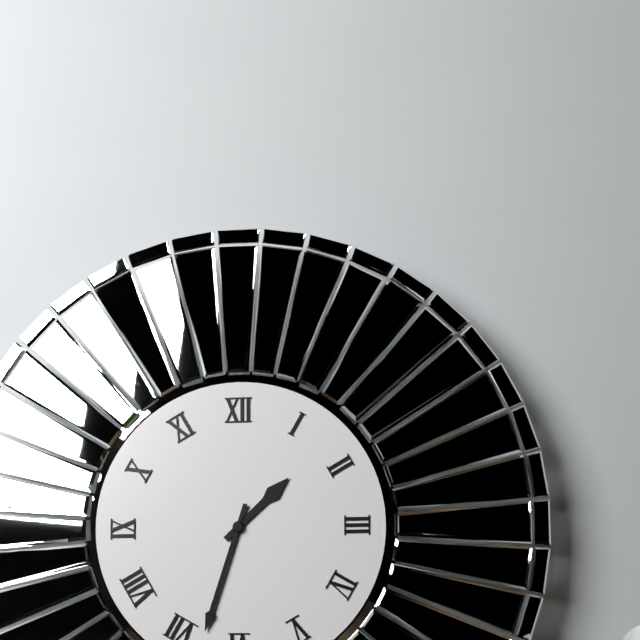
{"hour": 1, "minute": 33}
